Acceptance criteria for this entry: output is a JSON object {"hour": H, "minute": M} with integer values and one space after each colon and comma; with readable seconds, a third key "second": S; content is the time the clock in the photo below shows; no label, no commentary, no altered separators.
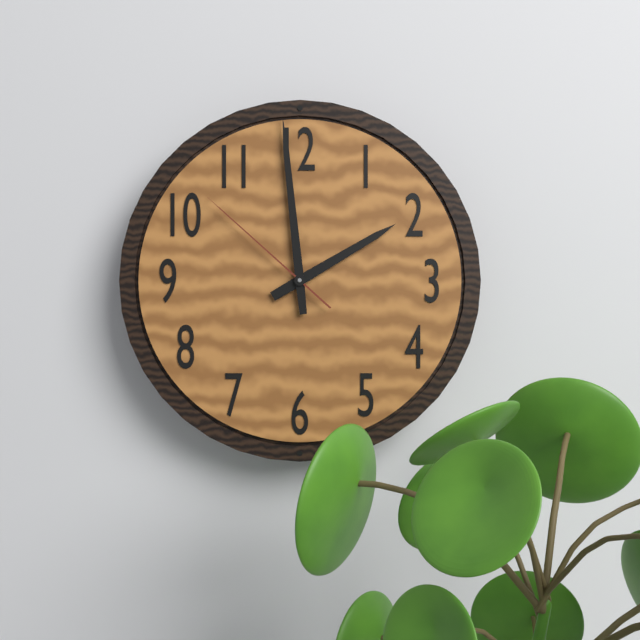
{"hour": 1, "minute": 59, "second": 52}
